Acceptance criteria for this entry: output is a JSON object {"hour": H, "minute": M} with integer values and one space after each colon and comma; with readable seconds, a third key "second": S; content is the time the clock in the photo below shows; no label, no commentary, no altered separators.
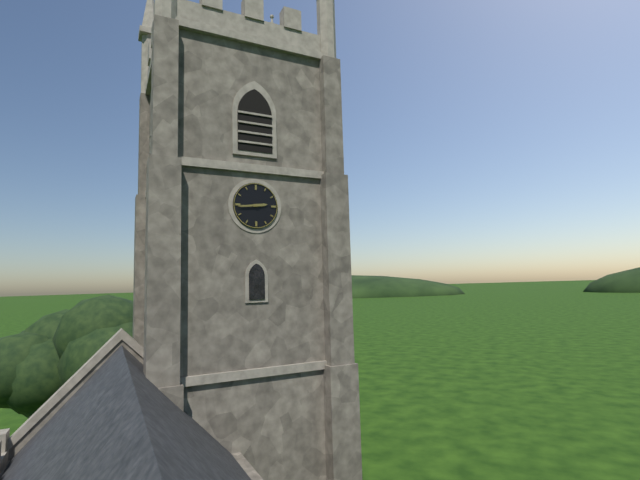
{"hour": 2, "minute": 44}
